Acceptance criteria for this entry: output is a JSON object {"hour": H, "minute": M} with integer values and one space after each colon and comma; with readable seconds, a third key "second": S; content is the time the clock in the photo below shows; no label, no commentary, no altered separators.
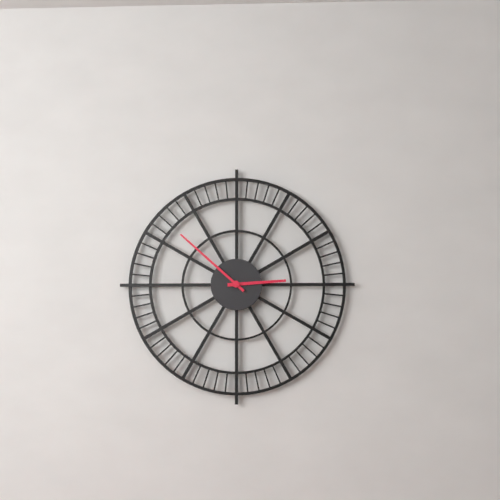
{"hour": 2, "minute": 52}
